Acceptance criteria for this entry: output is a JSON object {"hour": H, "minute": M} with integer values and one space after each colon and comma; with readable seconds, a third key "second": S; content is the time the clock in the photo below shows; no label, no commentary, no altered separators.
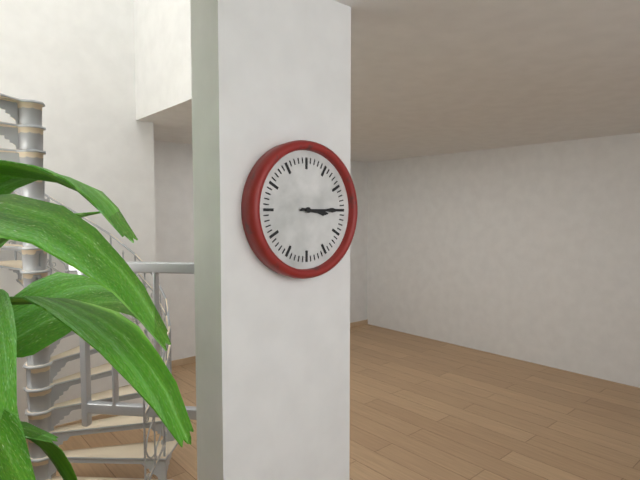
{"hour": 3, "minute": 15}
